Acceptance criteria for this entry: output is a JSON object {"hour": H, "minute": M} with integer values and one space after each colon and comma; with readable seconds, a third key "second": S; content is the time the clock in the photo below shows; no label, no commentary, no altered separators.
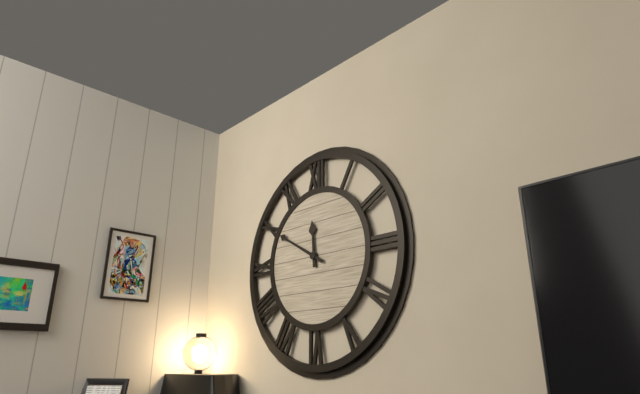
{"hour": 11, "minute": 50}
